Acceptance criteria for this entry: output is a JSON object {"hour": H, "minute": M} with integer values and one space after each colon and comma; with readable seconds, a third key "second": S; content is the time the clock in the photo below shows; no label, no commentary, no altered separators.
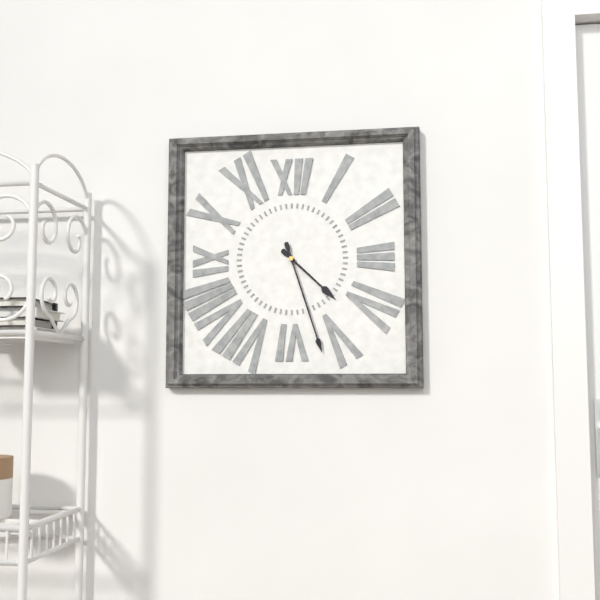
{"hour": 4, "minute": 27}
